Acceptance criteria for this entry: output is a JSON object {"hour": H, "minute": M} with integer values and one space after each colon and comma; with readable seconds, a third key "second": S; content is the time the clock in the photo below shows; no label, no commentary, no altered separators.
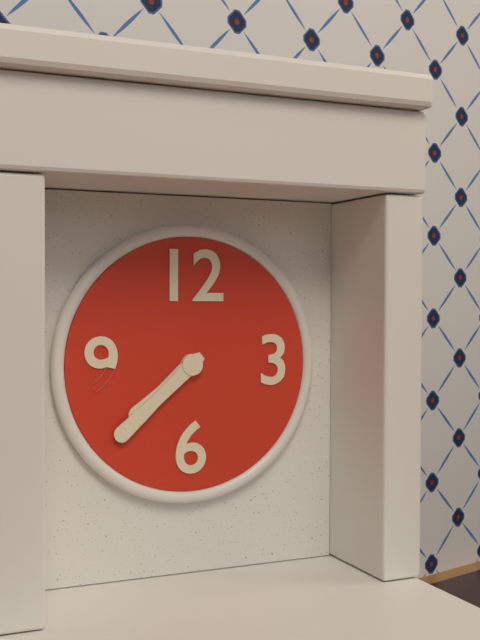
{"hour": 7, "minute": 38}
